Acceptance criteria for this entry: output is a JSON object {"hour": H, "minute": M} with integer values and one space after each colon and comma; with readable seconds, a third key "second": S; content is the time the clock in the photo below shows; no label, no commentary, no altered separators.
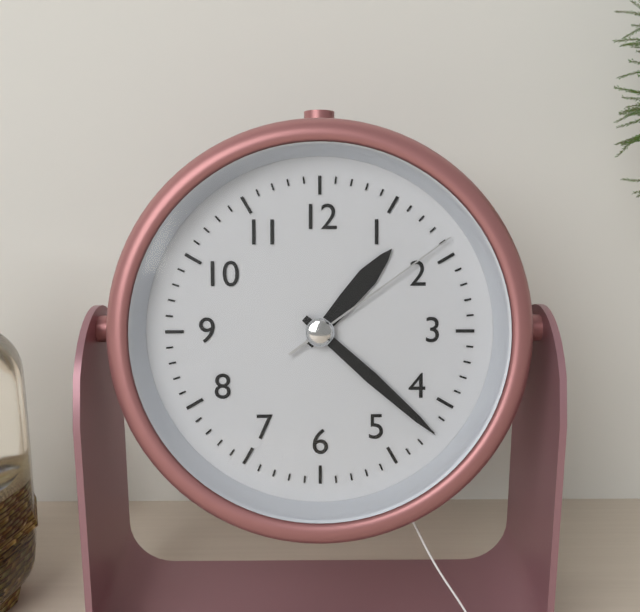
{"hour": 1, "minute": 22, "second": 9}
